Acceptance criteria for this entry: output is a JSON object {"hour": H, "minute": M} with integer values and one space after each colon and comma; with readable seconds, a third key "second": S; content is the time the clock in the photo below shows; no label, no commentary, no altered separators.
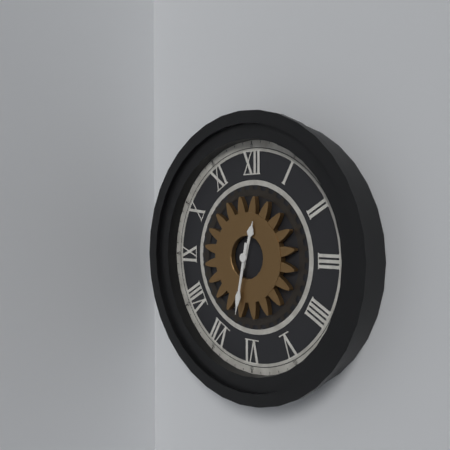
{"hour": 12, "minute": 32}
